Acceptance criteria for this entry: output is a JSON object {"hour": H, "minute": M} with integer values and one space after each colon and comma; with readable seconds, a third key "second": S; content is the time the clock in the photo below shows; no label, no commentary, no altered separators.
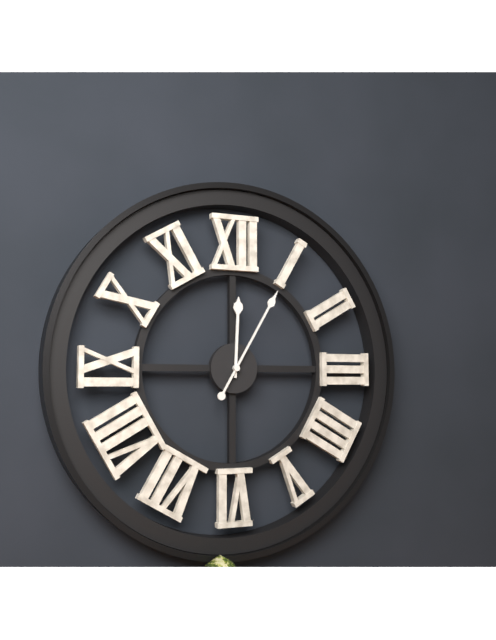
{"hour": 12, "minute": 5}
